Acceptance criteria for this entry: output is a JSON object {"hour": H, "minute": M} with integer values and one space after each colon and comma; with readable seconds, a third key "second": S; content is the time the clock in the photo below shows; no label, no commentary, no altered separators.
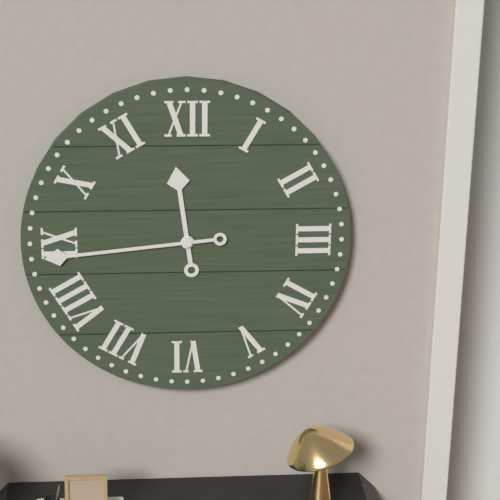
{"hour": 11, "minute": 44}
